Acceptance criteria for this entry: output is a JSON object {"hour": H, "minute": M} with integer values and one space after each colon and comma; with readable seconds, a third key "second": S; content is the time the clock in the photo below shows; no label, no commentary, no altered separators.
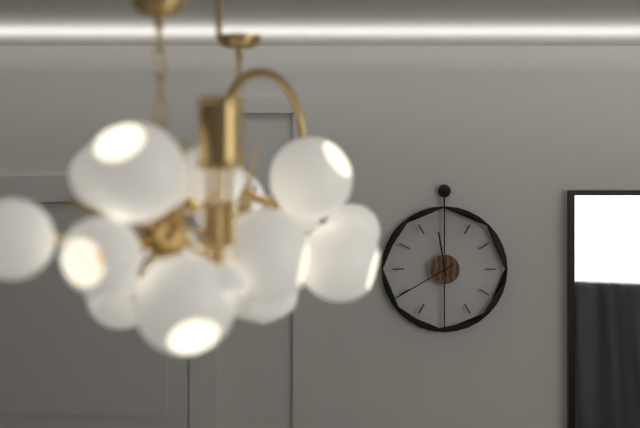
{"hour": 11, "minute": 40}
